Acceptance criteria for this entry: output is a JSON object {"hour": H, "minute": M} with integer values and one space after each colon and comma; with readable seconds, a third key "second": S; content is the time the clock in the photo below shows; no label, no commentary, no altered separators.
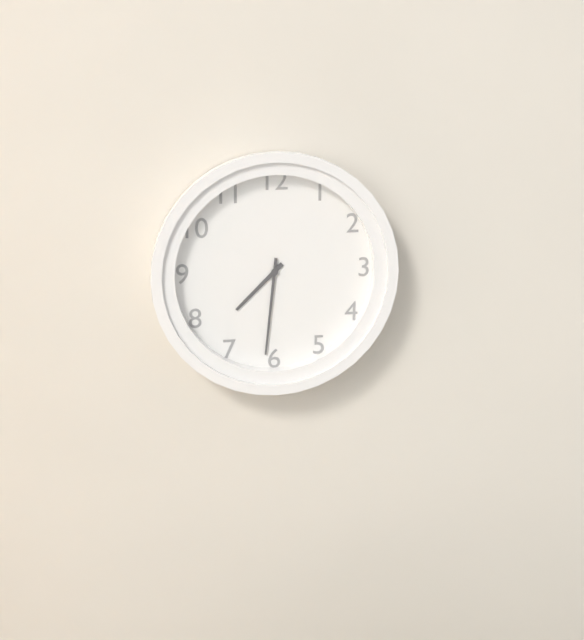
{"hour": 7, "minute": 31}
